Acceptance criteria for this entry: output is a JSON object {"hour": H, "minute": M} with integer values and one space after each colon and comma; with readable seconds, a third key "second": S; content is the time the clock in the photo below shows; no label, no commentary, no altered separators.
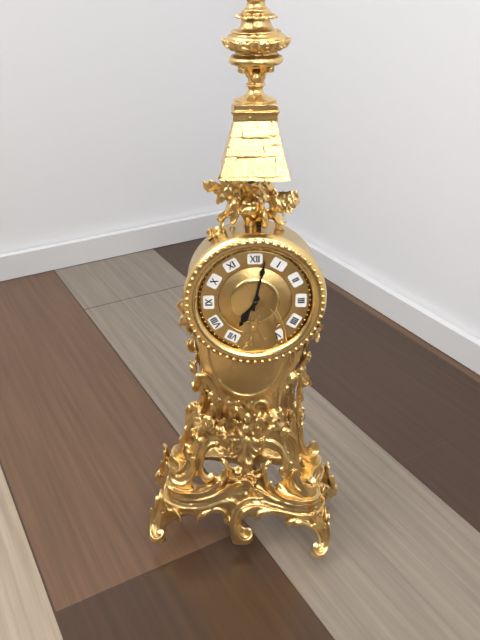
{"hour": 7, "minute": 2}
